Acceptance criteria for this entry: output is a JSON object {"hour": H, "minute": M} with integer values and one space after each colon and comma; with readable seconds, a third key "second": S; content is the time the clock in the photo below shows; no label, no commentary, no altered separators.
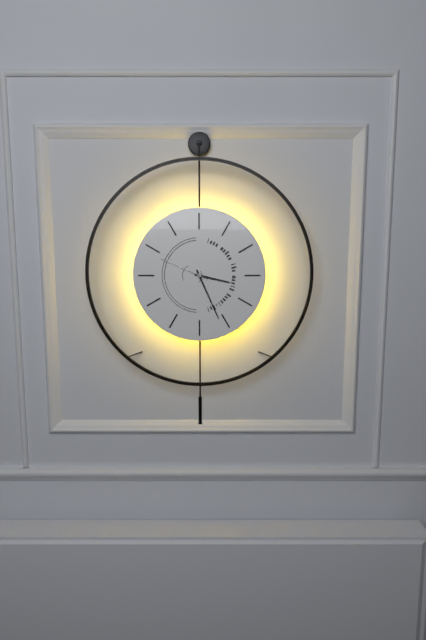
{"hour": 3, "minute": 26, "second": 49}
